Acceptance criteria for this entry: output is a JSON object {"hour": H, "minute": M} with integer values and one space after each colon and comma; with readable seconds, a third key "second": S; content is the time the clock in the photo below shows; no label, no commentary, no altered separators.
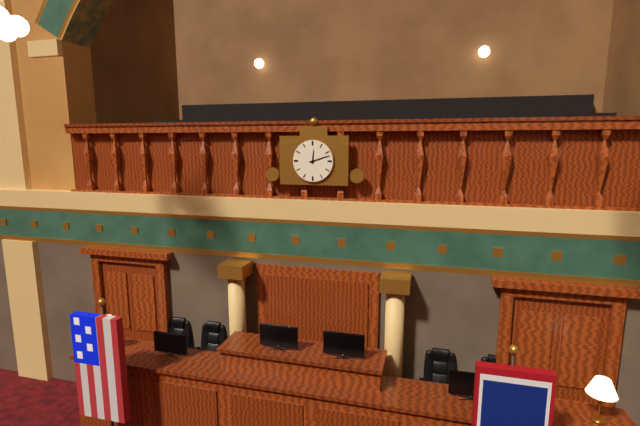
{"hour": 12, "minute": 12}
